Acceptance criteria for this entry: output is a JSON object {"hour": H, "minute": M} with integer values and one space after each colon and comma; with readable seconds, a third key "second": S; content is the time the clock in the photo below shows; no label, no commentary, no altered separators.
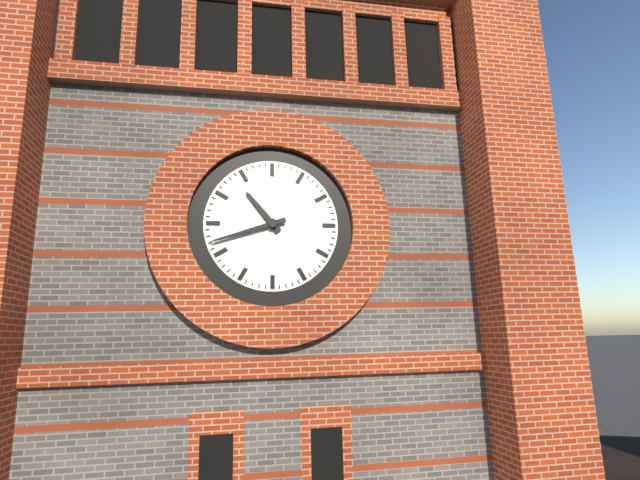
{"hour": 10, "minute": 42}
